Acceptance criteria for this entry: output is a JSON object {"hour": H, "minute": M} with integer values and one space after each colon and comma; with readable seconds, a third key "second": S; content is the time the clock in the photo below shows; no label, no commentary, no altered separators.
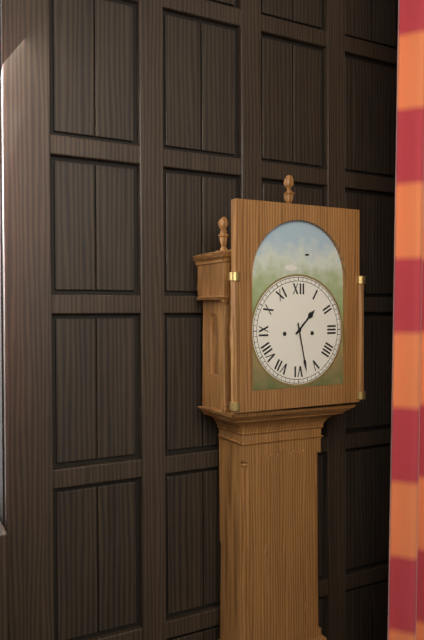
{"hour": 1, "minute": 28}
